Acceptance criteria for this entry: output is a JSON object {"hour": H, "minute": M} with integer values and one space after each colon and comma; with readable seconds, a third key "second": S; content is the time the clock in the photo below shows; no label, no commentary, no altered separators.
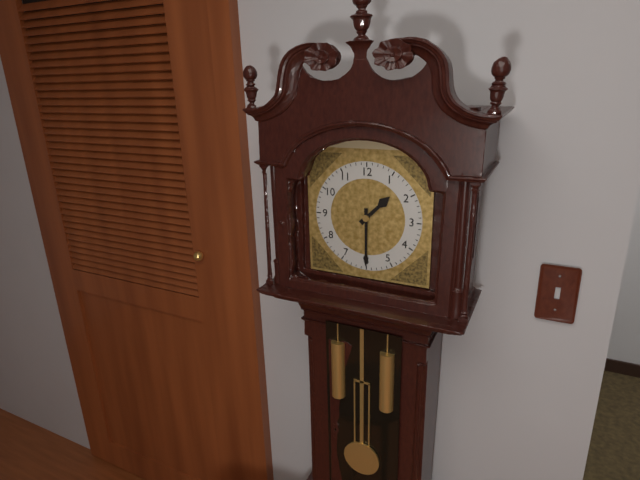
{"hour": 1, "minute": 30}
